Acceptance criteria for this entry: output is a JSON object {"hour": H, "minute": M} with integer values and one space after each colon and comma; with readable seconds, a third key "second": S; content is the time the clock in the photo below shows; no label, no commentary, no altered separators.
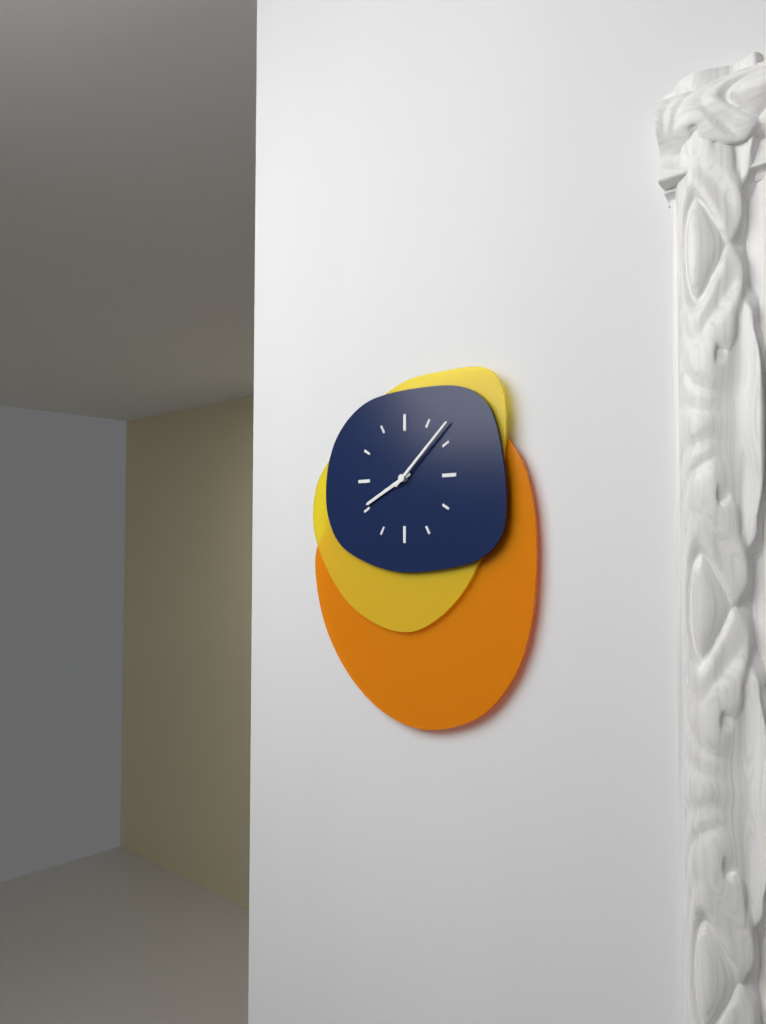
{"hour": 8, "minute": 8}
